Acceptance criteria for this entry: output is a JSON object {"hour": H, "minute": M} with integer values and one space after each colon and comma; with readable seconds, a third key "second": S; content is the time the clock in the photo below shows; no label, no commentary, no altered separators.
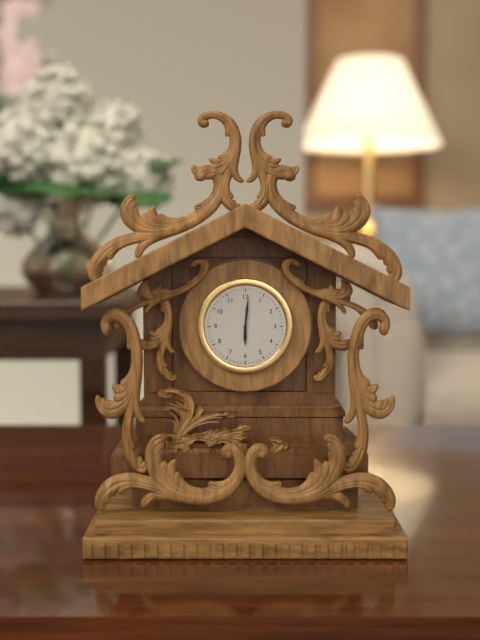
{"hour": 6, "minute": 1}
